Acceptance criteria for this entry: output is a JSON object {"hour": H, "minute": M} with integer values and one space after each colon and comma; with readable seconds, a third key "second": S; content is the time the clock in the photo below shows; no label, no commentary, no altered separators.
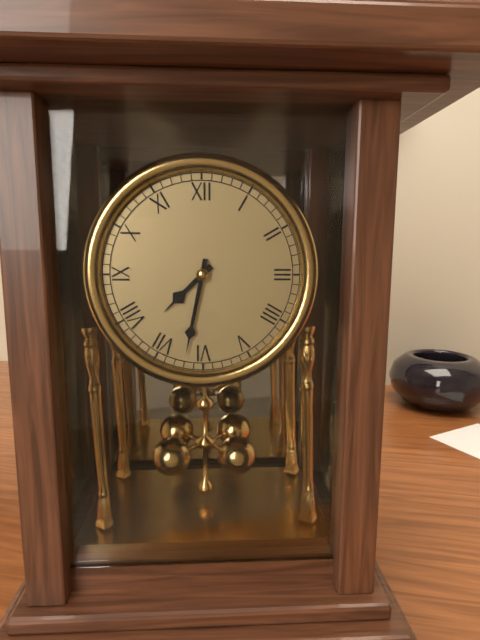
{"hour": 7, "minute": 32}
